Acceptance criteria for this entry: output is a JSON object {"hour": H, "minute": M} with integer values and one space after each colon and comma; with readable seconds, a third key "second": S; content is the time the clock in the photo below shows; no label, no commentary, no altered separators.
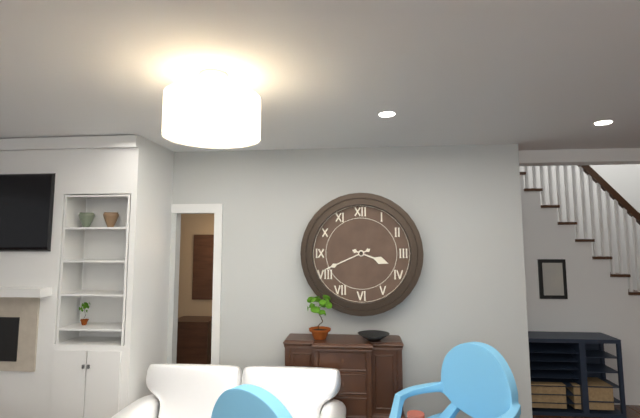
{"hour": 3, "minute": 41}
